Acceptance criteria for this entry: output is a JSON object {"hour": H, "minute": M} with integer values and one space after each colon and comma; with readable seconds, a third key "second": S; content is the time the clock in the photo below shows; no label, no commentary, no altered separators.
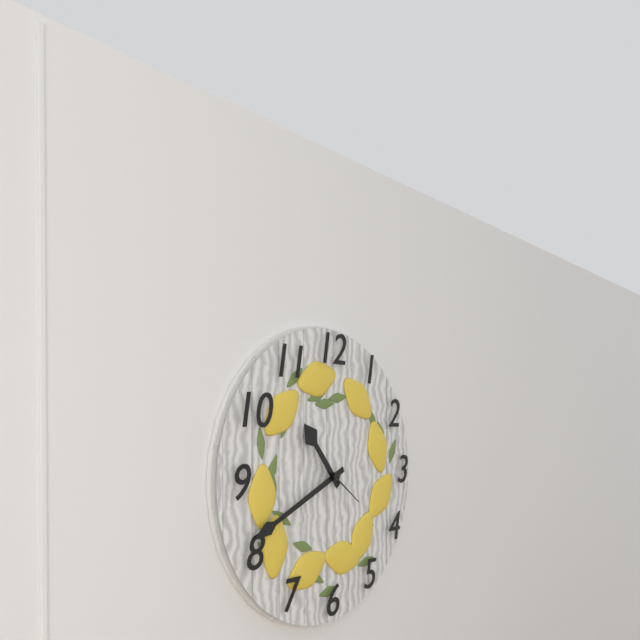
{"hour": 10, "minute": 41}
